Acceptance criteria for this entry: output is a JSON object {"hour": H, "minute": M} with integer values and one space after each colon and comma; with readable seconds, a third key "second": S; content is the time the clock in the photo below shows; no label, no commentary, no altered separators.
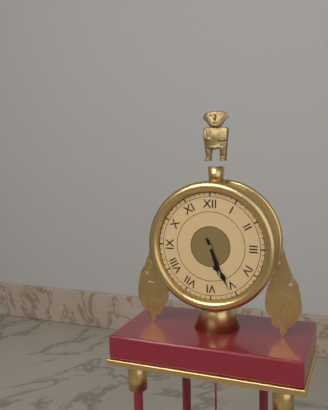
{"hour": 5, "minute": 26}
